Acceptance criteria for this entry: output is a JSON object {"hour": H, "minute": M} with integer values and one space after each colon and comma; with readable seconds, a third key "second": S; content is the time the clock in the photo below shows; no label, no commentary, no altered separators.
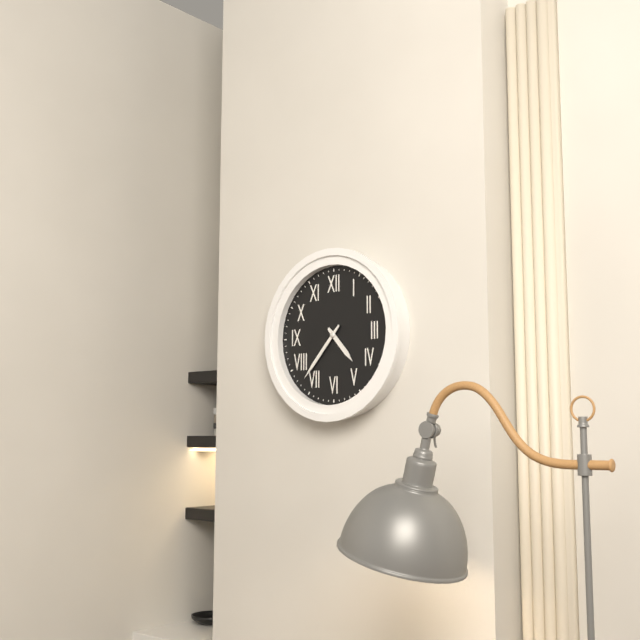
{"hour": 4, "minute": 37}
